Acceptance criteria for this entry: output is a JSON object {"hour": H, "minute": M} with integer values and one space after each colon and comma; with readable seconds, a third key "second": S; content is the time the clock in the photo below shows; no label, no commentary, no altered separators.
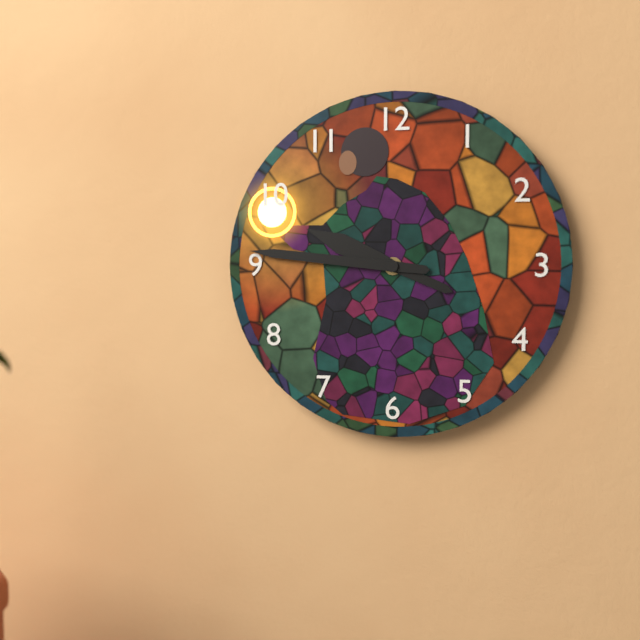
{"hour": 9, "minute": 46}
